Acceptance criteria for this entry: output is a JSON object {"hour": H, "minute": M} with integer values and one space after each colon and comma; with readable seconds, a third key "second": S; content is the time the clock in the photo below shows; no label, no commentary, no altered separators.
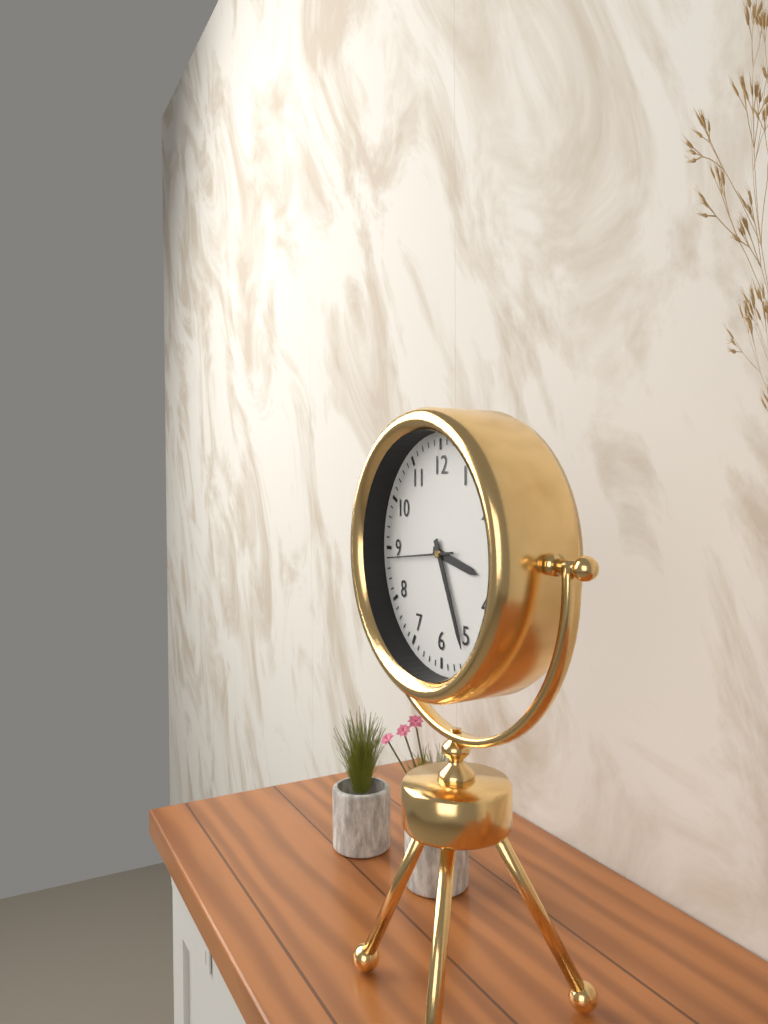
{"hour": 3, "minute": 26, "second": 44}
